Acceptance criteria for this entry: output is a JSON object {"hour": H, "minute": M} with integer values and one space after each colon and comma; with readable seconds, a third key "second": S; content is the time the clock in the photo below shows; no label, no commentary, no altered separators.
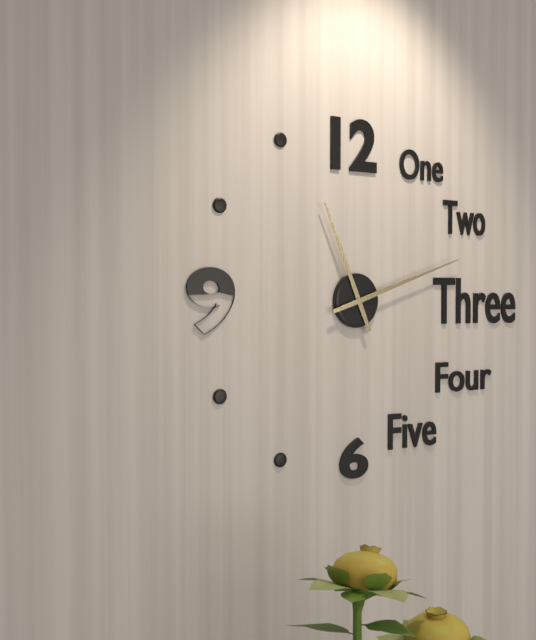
{"hour": 11, "minute": 12}
